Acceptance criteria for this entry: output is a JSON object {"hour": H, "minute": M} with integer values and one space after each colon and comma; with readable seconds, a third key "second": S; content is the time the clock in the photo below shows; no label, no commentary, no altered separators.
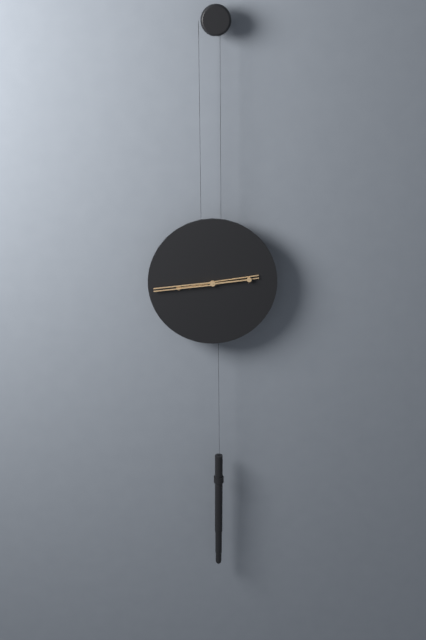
{"hour": 2, "minute": 44}
